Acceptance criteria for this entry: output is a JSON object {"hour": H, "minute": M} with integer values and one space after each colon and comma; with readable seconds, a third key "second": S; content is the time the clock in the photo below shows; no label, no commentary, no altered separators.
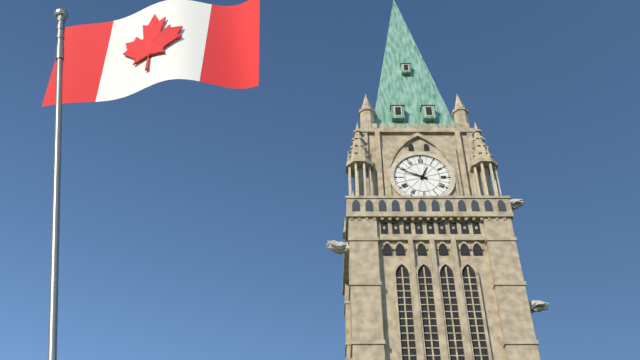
{"hour": 12, "minute": 49}
